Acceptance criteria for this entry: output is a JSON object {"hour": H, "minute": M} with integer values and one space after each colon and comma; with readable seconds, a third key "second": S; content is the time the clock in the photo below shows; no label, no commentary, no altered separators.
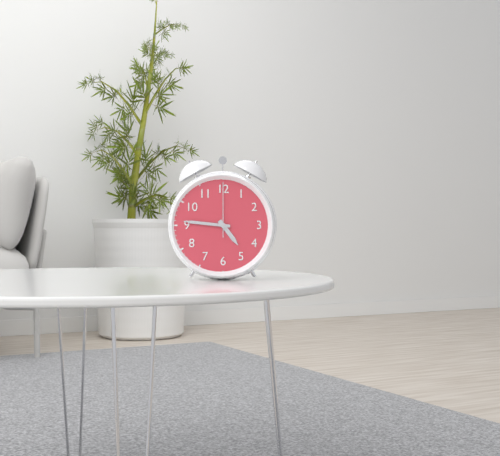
{"hour": 4, "minute": 46, "second": 0}
